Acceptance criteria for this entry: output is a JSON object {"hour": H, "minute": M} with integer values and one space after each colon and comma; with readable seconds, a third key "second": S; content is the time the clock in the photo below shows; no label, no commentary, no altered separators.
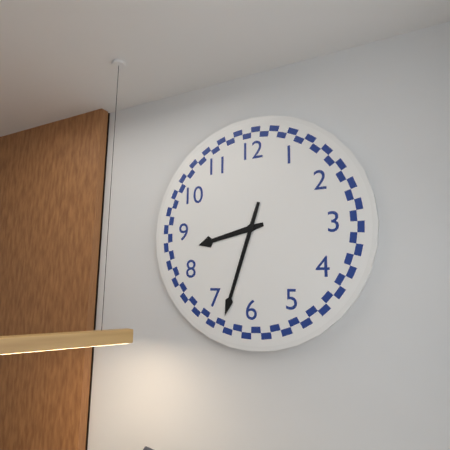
{"hour": 8, "minute": 33}
